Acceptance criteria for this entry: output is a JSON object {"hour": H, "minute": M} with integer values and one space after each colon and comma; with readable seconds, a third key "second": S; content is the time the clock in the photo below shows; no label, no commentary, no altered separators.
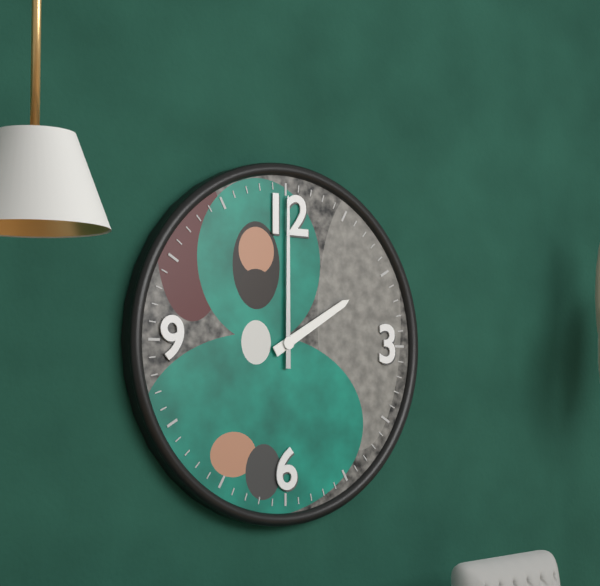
{"hour": 2, "minute": 0}
